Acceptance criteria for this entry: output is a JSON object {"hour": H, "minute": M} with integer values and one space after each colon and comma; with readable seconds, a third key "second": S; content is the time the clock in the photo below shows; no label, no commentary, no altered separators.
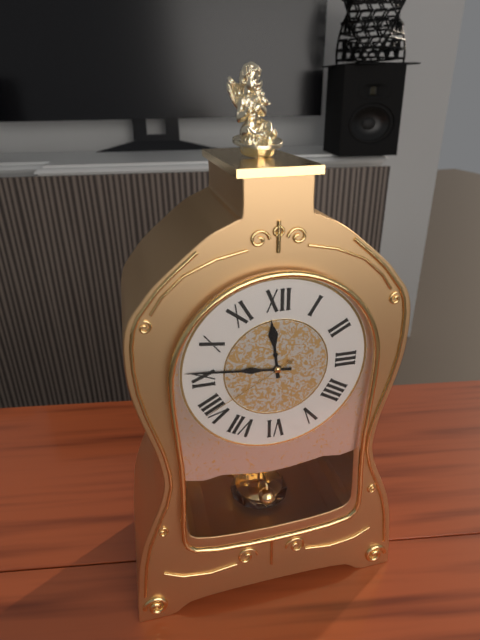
{"hour": 11, "minute": 46, "second": 40}
